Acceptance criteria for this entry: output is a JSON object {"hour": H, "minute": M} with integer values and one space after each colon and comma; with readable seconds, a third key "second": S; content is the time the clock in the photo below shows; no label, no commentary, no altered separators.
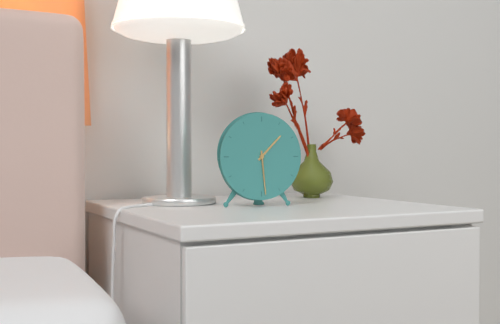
{"hour": 1, "minute": 29}
